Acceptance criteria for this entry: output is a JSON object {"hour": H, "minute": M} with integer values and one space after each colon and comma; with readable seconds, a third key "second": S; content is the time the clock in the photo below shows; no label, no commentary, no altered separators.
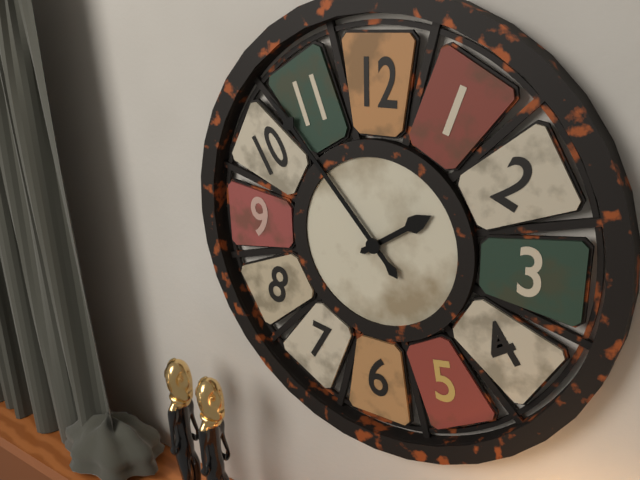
{"hour": 1, "minute": 53}
